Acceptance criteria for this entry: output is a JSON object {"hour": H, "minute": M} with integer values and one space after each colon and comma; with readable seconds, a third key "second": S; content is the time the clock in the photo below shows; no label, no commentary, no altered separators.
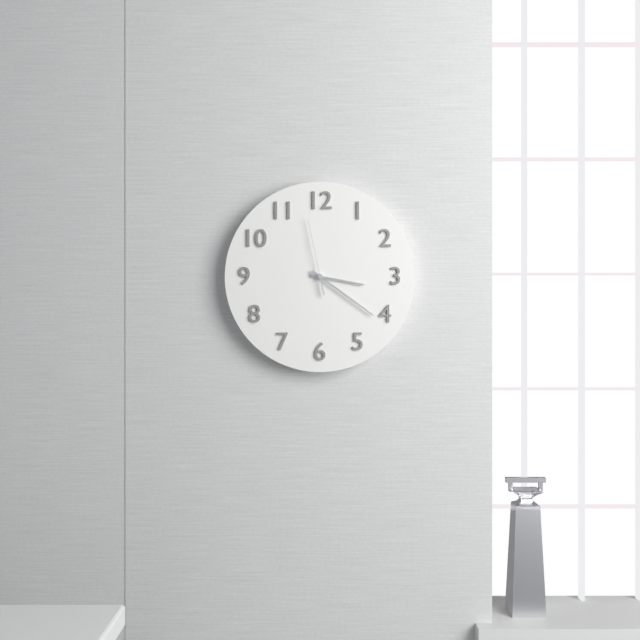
{"hour": 3, "minute": 21, "second": 58}
